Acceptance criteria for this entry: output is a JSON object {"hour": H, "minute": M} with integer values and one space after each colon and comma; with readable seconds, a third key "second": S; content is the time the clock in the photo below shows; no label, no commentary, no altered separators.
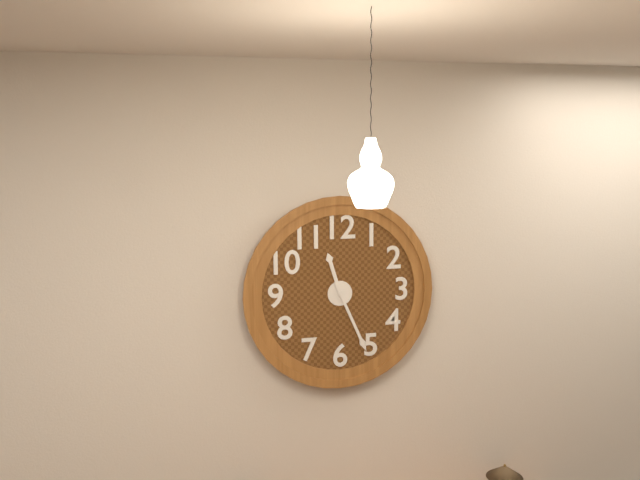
{"hour": 11, "minute": 26}
